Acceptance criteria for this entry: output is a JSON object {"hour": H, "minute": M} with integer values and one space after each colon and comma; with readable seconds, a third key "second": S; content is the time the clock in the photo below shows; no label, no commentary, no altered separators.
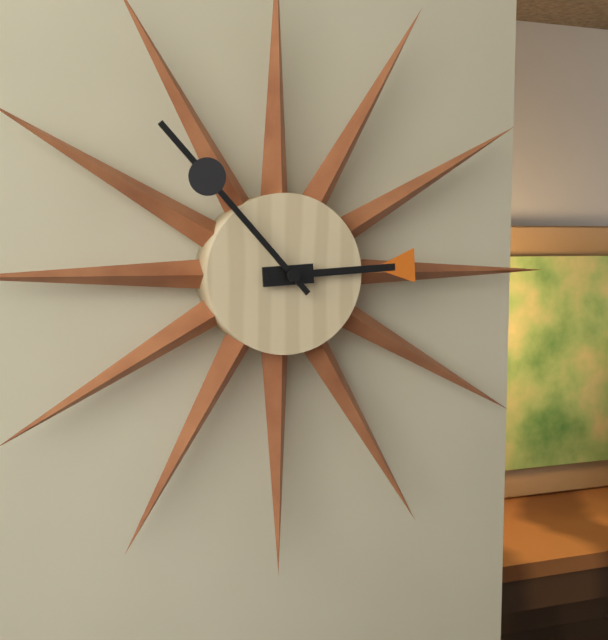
{"hour": 2, "minute": 53}
